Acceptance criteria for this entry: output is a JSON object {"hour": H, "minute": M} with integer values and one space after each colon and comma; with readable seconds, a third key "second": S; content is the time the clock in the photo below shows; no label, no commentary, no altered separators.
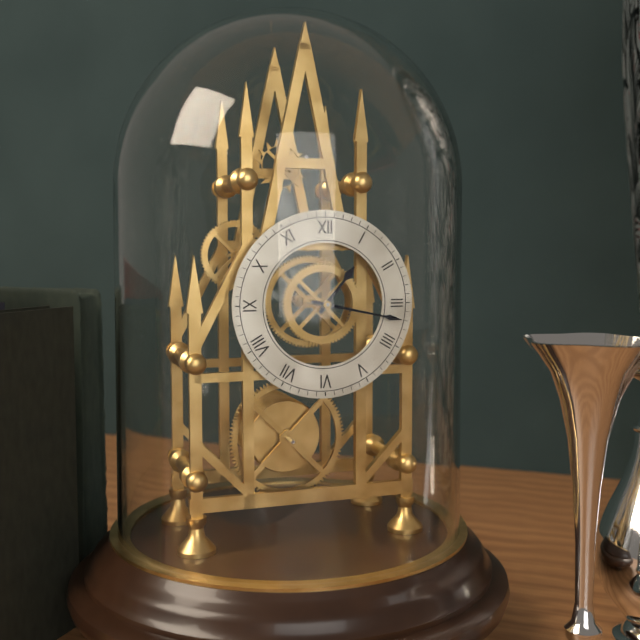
{"hour": 1, "minute": 17}
